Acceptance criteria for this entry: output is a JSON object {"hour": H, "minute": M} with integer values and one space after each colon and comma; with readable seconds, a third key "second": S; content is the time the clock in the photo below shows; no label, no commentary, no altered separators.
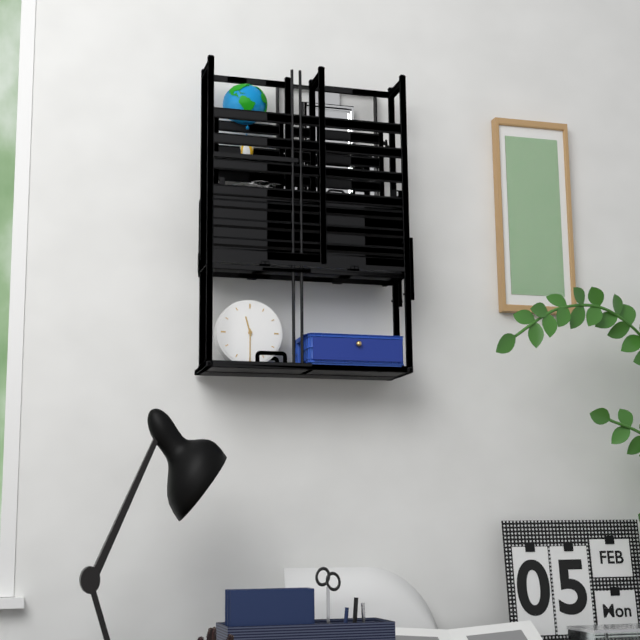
{"hour": 11, "minute": 30}
